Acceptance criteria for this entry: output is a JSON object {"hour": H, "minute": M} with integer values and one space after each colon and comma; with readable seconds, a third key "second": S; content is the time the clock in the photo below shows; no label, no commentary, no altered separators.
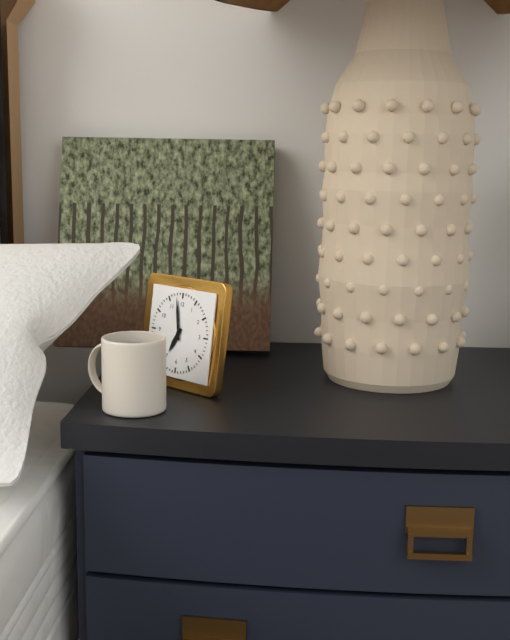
{"hour": 6, "minute": 58}
